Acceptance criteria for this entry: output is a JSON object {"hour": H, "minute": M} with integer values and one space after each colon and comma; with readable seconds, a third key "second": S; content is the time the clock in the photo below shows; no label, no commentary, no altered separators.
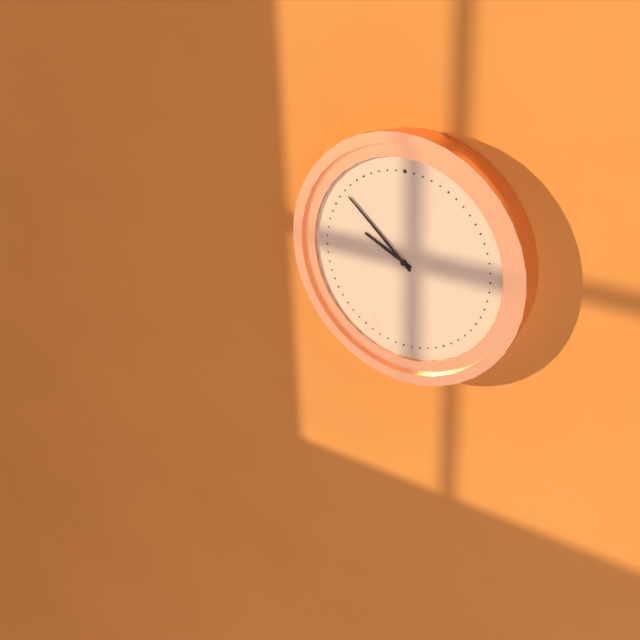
{"hour": 9, "minute": 52}
